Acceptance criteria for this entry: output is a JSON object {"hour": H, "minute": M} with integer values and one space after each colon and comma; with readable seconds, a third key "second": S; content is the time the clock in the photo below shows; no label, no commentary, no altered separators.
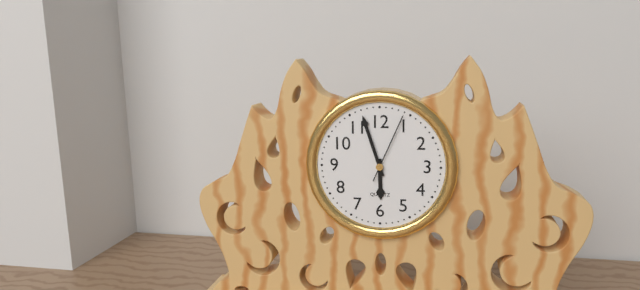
{"hour": 5, "minute": 57, "second": 4}
